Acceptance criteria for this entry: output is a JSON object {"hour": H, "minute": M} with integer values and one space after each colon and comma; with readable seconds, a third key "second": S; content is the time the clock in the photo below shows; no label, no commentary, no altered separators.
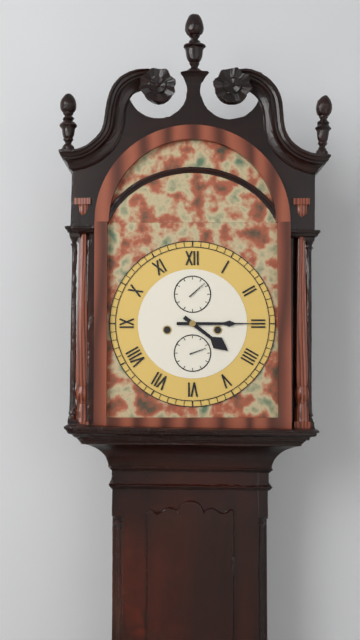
{"hour": 4, "minute": 15}
